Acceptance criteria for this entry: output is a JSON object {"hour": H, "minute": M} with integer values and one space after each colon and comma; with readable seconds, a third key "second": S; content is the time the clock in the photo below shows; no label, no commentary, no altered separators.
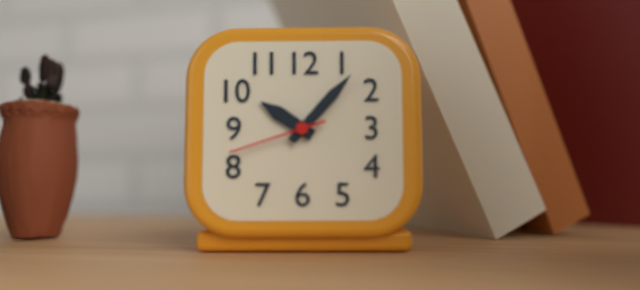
{"hour": 10, "minute": 7, "second": 42}
